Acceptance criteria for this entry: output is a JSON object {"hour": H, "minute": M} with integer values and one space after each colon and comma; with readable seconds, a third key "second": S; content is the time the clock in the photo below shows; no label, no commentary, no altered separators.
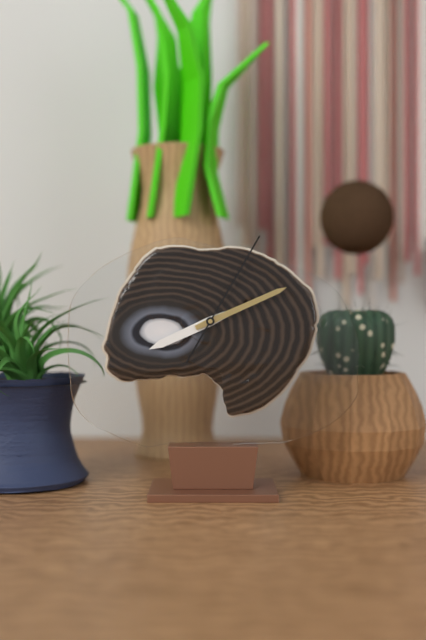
{"hour": 8, "minute": 11, "second": 5}
